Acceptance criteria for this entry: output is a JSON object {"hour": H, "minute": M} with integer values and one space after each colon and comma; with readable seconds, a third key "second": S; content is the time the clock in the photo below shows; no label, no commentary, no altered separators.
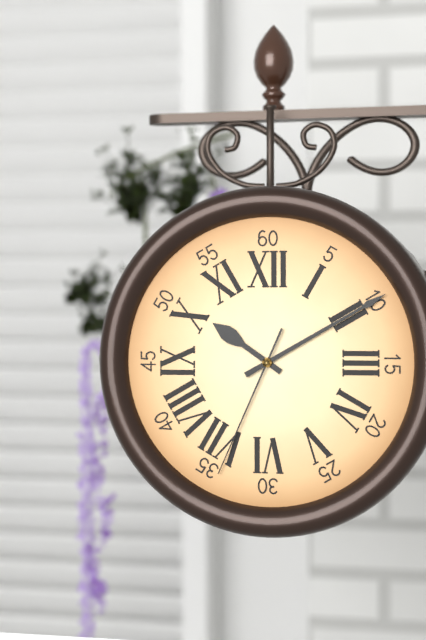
{"hour": 10, "minute": 10, "second": 34}
